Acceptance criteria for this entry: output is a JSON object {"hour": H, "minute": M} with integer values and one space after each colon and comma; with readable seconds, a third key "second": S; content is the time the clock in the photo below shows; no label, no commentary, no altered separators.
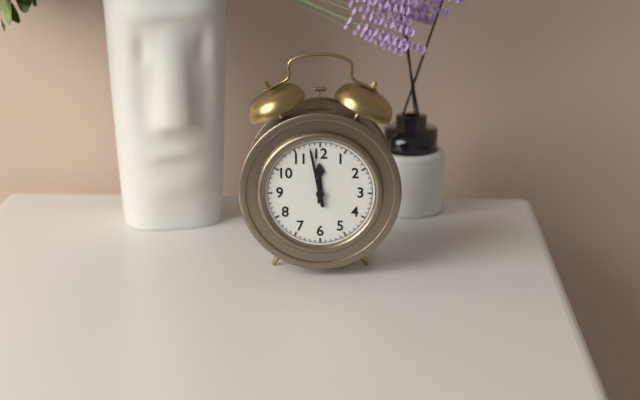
{"hour": 11, "minute": 58}
